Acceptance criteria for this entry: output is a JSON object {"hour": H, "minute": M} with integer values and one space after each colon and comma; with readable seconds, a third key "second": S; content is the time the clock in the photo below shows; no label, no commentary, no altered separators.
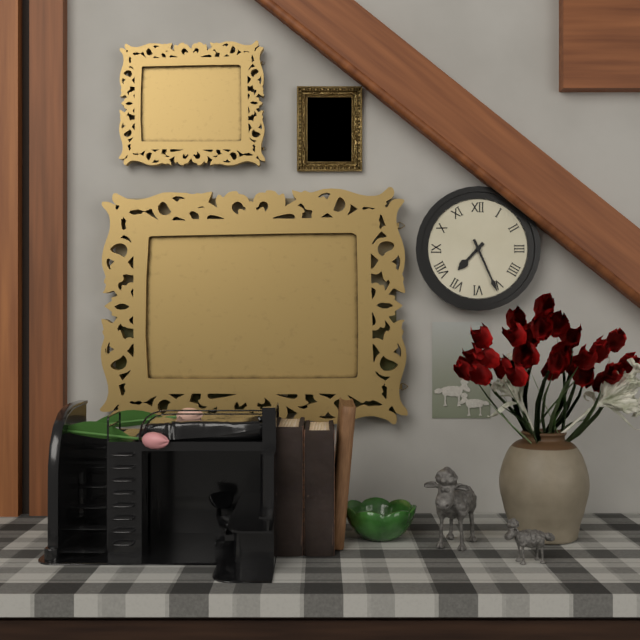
{"hour": 7, "minute": 26}
